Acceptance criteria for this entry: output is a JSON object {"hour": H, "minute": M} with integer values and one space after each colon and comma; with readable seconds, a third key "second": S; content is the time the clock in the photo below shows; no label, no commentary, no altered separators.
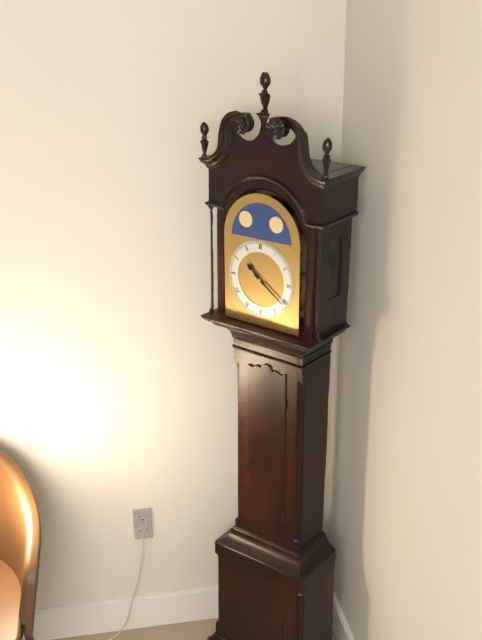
{"hour": 10, "minute": 21}
